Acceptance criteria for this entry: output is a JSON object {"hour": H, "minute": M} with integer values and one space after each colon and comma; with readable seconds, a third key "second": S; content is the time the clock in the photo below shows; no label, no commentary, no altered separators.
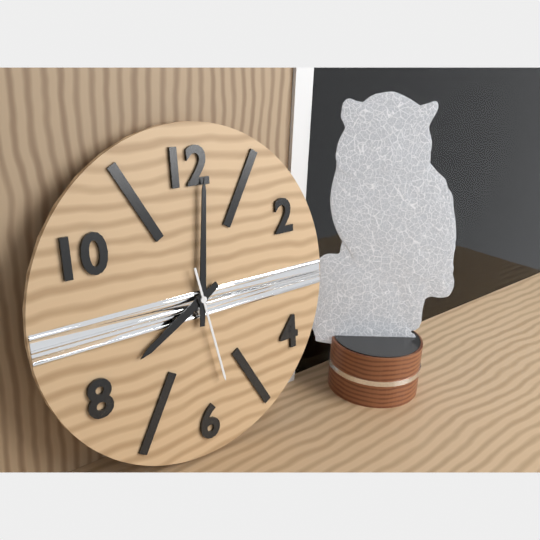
{"hour": 8, "minute": 1, "second": 28}
